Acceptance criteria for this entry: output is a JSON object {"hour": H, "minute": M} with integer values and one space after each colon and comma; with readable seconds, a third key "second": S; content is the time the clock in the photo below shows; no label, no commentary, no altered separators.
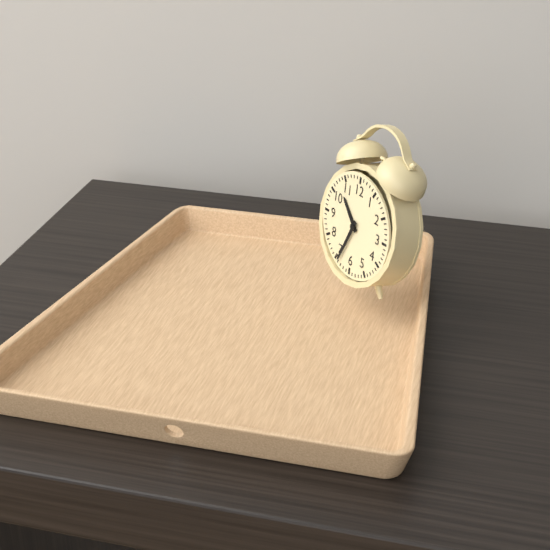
{"hour": 10, "minute": 34}
